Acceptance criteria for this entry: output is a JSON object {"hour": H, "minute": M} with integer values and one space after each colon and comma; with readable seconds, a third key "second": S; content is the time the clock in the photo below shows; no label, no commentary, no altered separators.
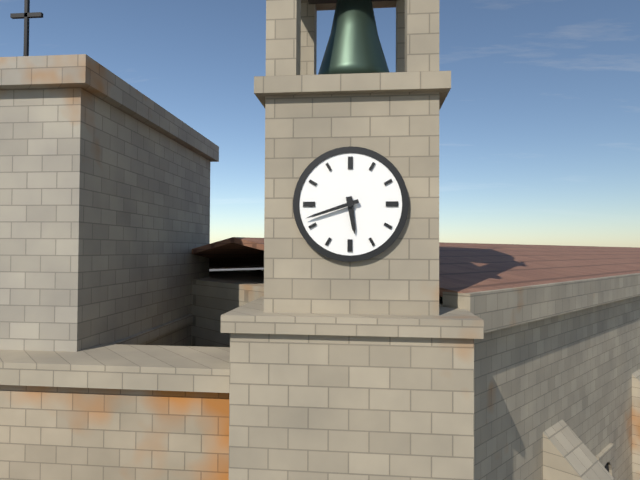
{"hour": 5, "minute": 42}
